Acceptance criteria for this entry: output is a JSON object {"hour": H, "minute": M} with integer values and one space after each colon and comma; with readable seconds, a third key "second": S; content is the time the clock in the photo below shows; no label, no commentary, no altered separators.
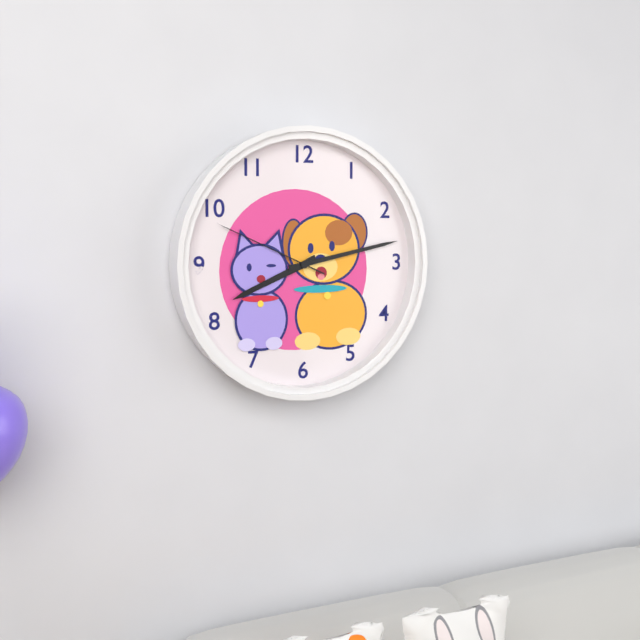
{"hour": 8, "minute": 13, "second": 49}
